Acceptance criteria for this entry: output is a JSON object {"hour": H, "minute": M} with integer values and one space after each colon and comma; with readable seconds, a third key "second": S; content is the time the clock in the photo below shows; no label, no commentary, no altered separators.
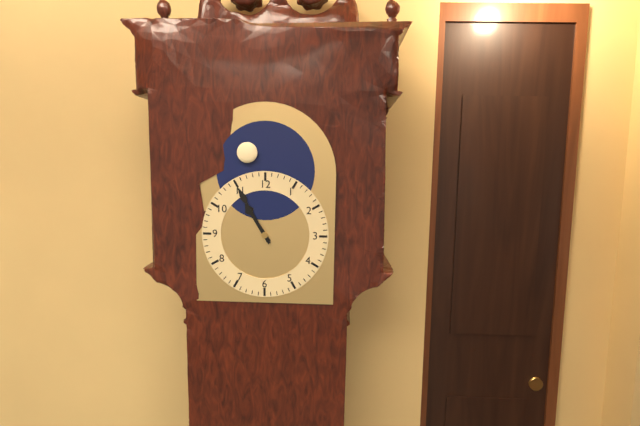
{"hour": 10, "minute": 55}
